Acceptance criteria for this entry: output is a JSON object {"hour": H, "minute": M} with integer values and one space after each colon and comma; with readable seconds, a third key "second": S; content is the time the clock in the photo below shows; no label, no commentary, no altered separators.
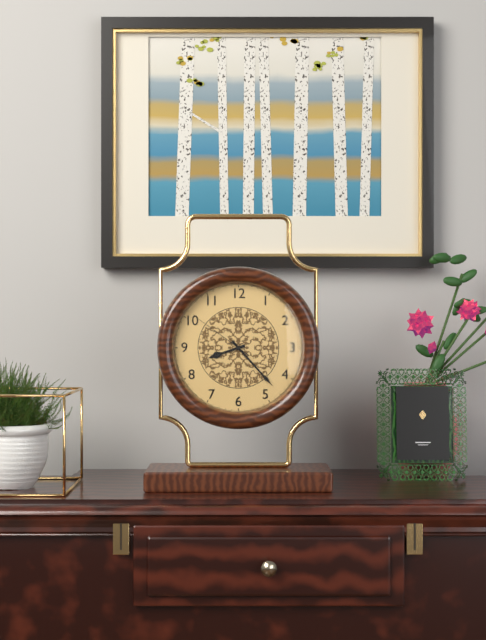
{"hour": 8, "minute": 23, "second": 51}
